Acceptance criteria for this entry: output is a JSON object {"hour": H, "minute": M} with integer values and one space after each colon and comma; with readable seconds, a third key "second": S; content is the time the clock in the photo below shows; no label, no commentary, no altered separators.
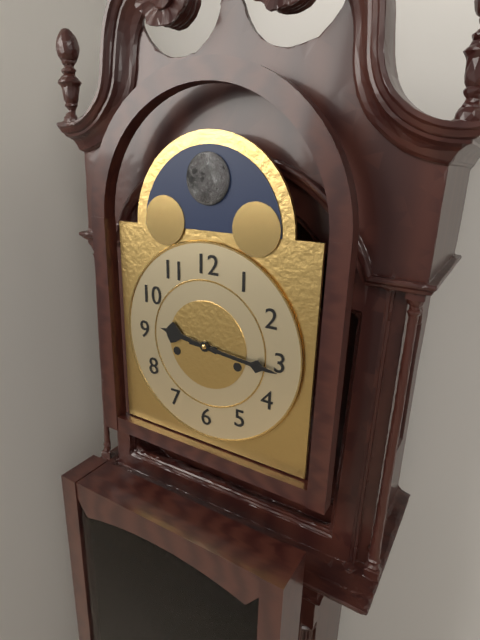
{"hour": 9, "minute": 16}
